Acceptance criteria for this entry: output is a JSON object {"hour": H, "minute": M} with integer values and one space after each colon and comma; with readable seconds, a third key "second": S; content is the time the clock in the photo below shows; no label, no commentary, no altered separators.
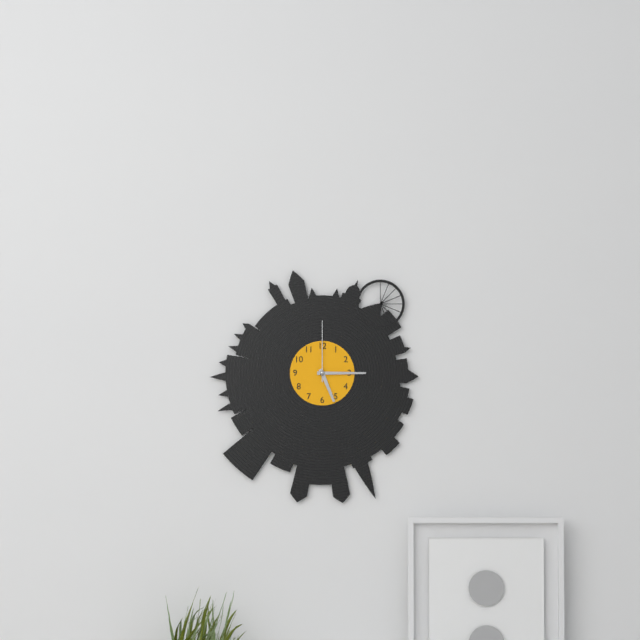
{"hour": 5, "minute": 15, "second": 0}
